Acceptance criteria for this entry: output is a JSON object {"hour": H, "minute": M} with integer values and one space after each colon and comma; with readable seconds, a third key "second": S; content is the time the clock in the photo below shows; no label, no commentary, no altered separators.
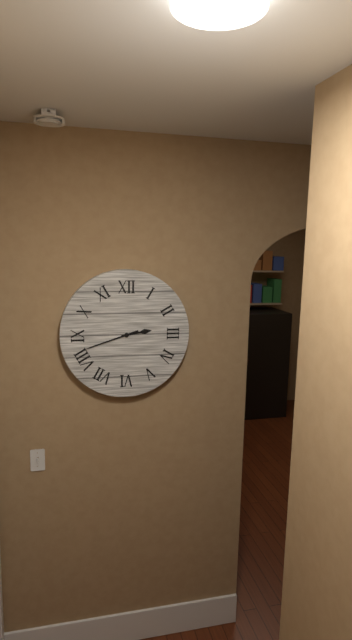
{"hour": 2, "minute": 42}
